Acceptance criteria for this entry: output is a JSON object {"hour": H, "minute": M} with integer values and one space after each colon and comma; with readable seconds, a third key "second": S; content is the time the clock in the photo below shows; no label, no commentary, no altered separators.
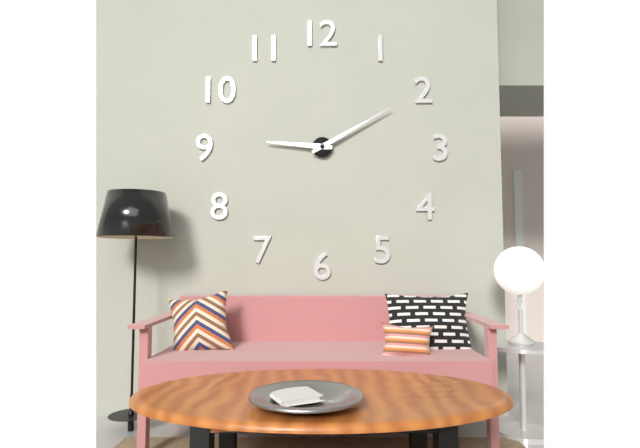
{"hour": 9, "minute": 10}
